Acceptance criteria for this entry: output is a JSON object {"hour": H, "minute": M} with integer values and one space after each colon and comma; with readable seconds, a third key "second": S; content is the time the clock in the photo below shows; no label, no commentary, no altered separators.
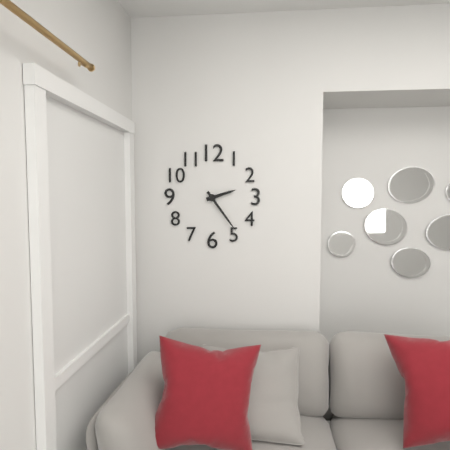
{"hour": 2, "minute": 24}
